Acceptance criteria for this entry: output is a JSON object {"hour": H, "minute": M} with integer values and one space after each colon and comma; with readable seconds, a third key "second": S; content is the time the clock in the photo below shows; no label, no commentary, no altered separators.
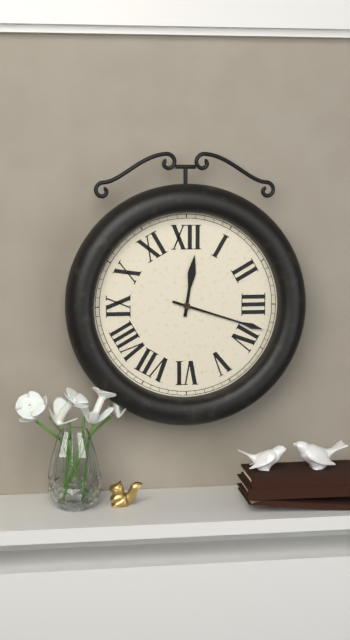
{"hour": 12, "minute": 18}
